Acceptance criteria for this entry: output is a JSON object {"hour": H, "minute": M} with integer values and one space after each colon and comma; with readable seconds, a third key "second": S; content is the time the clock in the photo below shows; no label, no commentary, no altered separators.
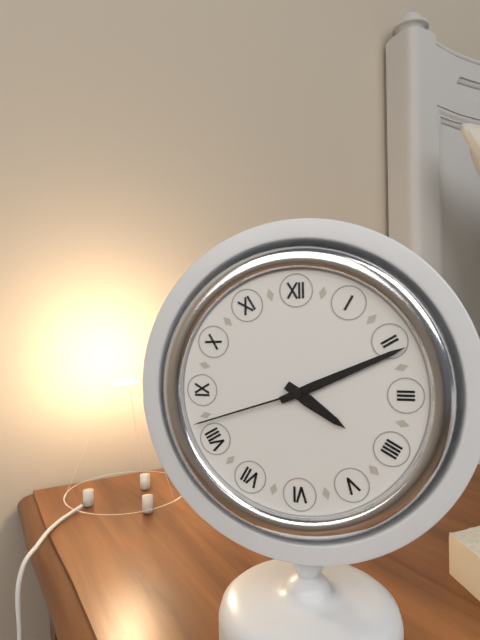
{"hour": 4, "minute": 11, "second": 42}
